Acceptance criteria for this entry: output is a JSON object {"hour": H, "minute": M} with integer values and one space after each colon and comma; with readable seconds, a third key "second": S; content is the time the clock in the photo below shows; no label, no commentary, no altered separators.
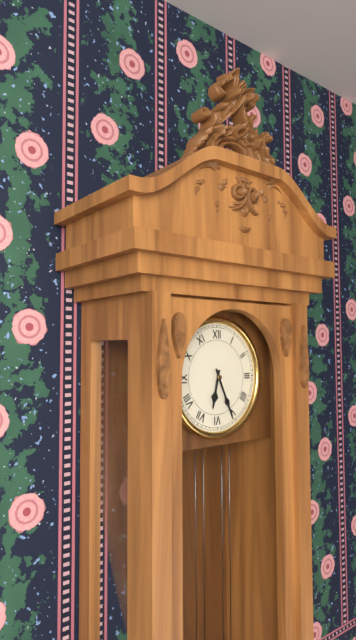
{"hour": 6, "minute": 26}
